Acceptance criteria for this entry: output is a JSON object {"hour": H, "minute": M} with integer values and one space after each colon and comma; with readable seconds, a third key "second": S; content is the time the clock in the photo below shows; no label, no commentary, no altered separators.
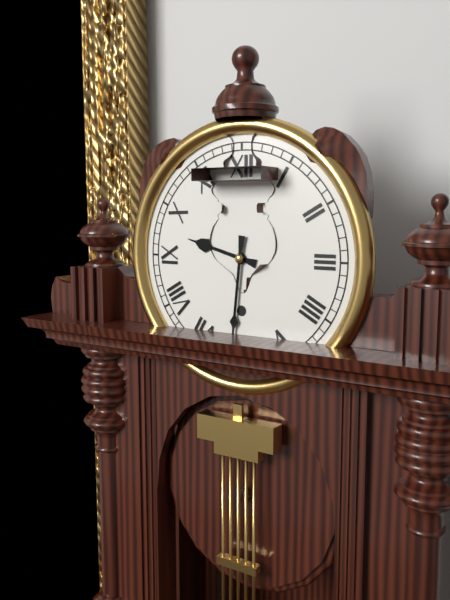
{"hour": 9, "minute": 31}
